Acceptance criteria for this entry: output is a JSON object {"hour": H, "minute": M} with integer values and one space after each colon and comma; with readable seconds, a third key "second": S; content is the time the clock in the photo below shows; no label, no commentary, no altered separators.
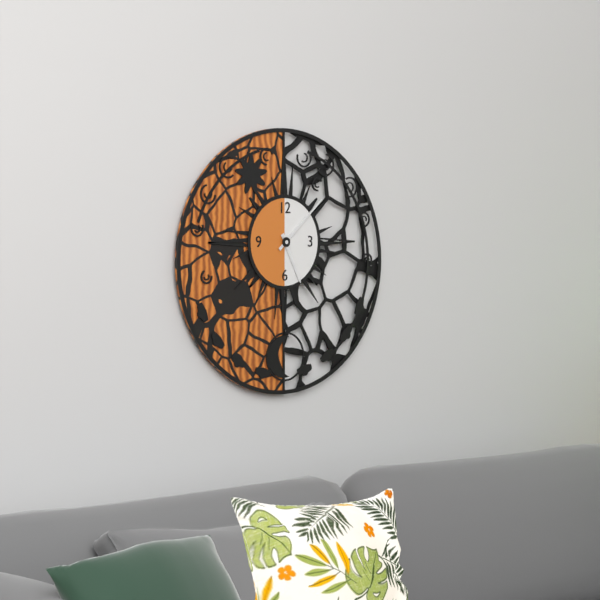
{"hour": 5, "minute": 8}
